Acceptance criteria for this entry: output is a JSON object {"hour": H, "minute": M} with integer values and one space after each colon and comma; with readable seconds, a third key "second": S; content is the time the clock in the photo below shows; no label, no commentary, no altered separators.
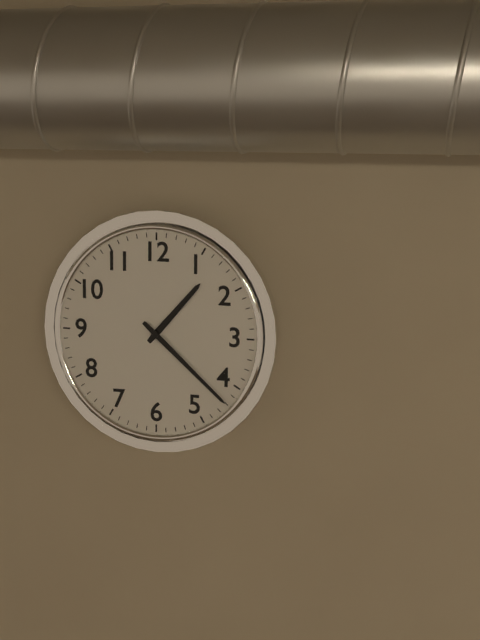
{"hour": 1, "minute": 22}
